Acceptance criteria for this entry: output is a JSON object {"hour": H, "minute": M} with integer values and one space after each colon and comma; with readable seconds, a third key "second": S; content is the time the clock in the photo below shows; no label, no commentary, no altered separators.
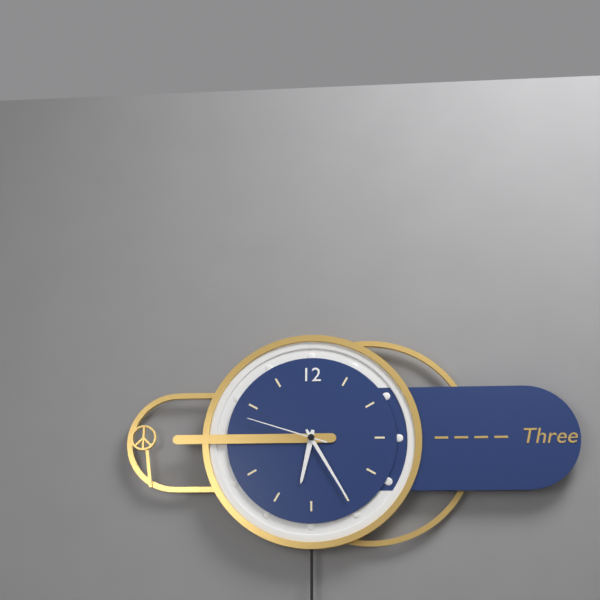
{"hour": 6, "minute": 25, "second": 48}
